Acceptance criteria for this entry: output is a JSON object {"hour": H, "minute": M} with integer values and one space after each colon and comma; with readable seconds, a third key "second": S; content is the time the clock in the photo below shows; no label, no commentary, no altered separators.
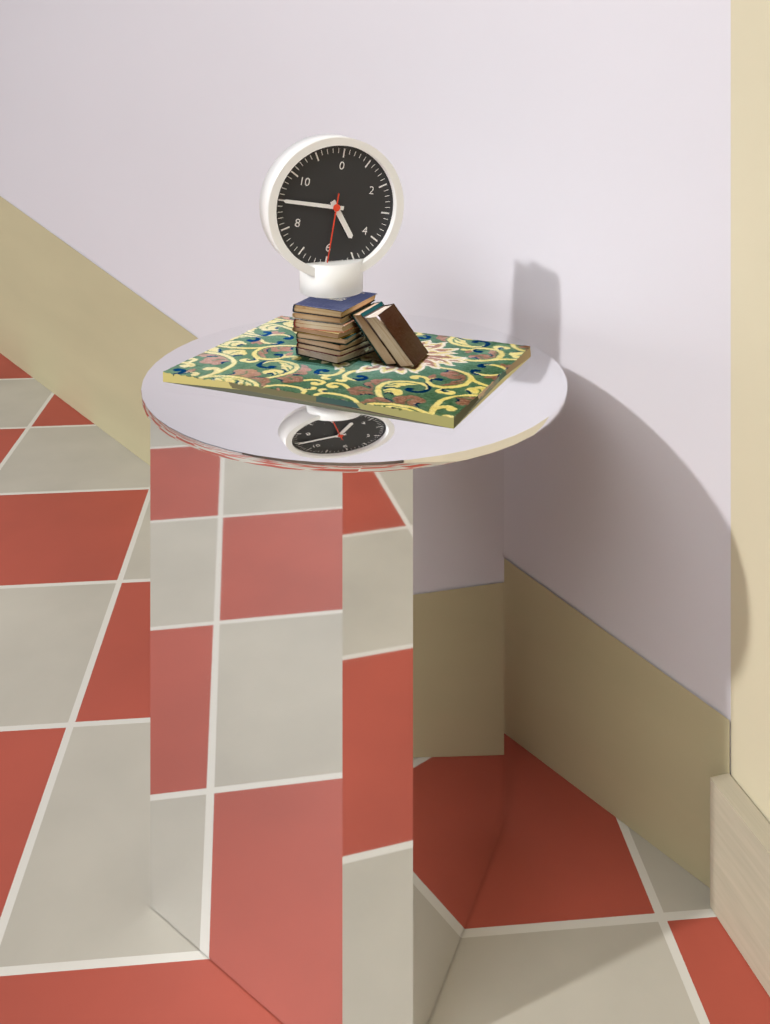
{"hour": 4, "minute": 45, "second": 30}
